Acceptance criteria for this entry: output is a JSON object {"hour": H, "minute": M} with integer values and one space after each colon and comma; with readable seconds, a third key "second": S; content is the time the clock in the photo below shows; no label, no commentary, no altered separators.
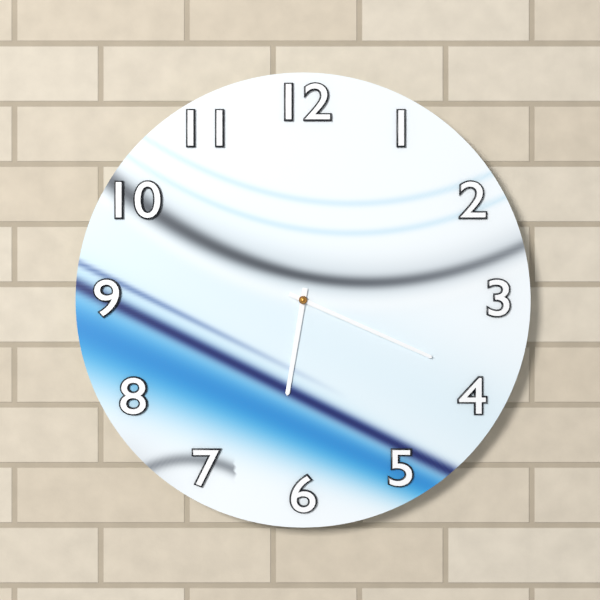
{"hour": 6, "minute": 19}
